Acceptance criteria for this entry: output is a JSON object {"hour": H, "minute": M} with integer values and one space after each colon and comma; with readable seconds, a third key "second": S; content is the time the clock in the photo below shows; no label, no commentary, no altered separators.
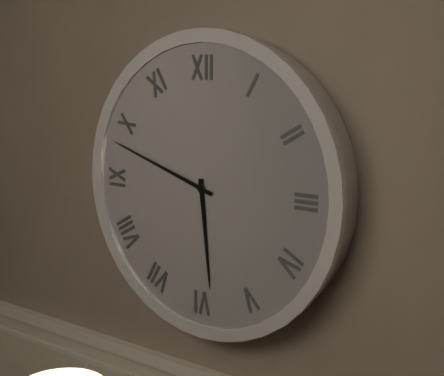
{"hour": 5, "minute": 48}
